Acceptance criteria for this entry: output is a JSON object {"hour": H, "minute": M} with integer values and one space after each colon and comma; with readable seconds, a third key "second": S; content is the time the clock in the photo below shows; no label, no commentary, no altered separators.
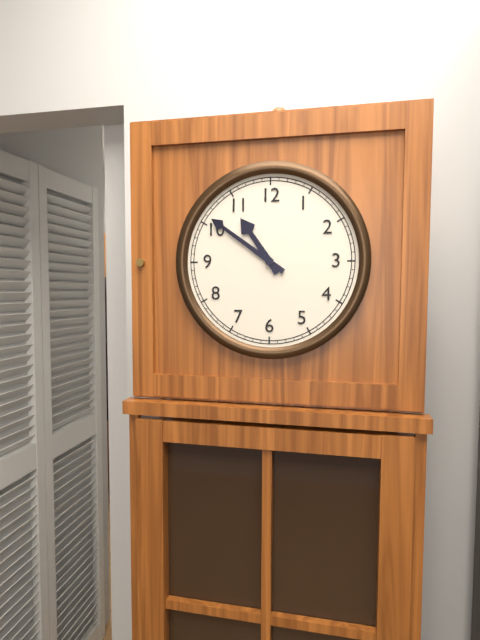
{"hour": 10, "minute": 51}
